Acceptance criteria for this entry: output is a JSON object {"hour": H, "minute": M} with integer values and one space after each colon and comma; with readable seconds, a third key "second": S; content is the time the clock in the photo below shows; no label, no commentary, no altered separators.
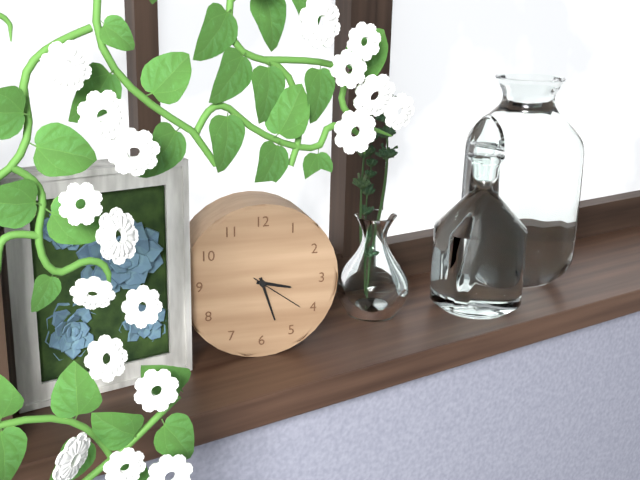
{"hour": 3, "minute": 27, "second": 21}
